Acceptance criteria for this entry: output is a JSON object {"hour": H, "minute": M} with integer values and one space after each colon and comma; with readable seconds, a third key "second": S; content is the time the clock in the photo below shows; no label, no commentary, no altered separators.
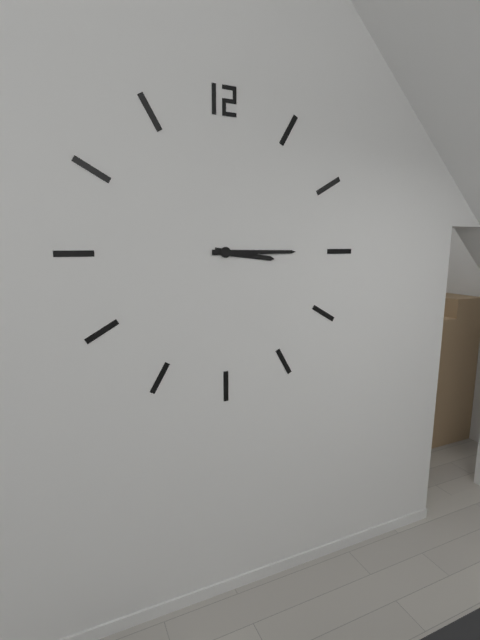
{"hour": 3, "minute": 15}
